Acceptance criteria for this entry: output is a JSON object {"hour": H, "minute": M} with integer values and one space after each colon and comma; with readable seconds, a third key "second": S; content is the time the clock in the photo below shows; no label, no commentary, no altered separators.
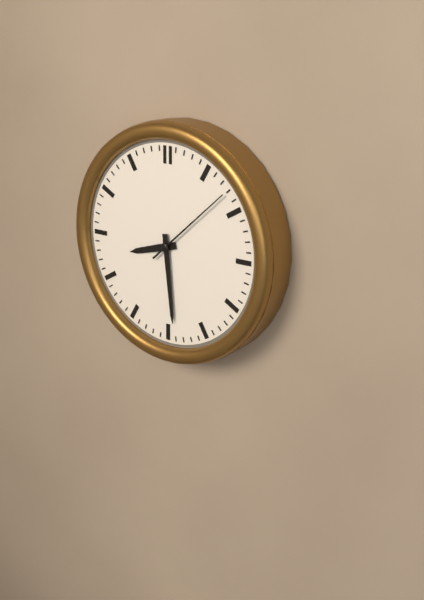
{"hour": 8, "minute": 29, "second": 8}
